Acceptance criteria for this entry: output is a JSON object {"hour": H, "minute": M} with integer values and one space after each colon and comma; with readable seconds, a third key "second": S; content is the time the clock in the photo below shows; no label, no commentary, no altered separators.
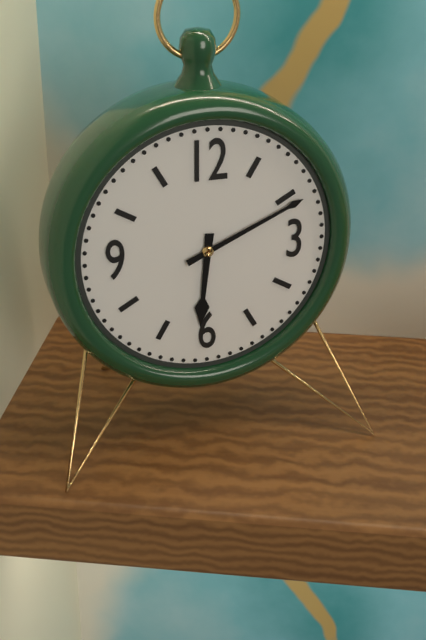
{"hour": 6, "minute": 11}
